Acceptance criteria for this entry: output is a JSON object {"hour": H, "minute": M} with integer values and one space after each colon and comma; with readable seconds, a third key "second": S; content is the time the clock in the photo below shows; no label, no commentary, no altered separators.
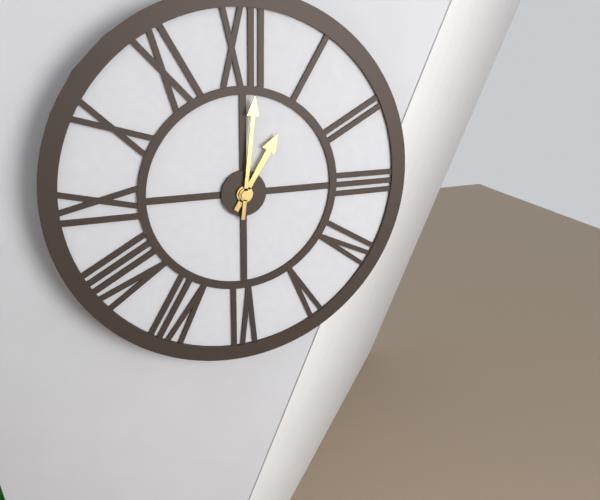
{"hour": 1, "minute": 1}
